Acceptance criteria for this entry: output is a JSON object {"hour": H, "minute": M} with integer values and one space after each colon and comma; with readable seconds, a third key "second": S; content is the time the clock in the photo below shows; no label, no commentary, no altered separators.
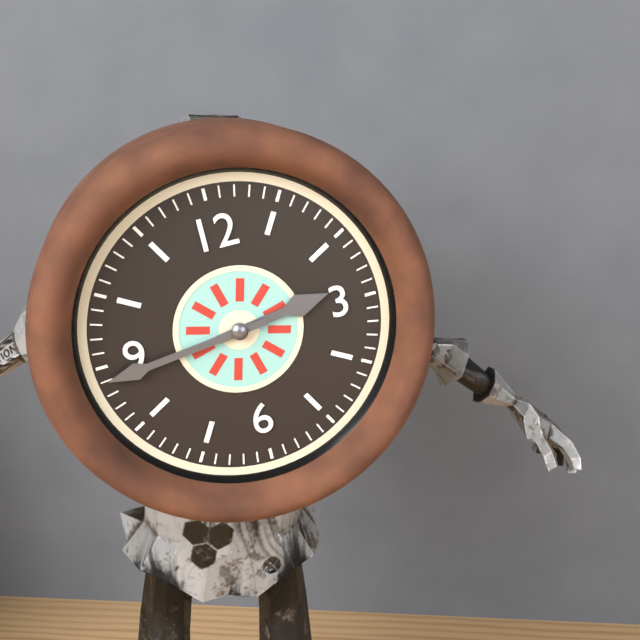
{"hour": 2, "minute": 44}
